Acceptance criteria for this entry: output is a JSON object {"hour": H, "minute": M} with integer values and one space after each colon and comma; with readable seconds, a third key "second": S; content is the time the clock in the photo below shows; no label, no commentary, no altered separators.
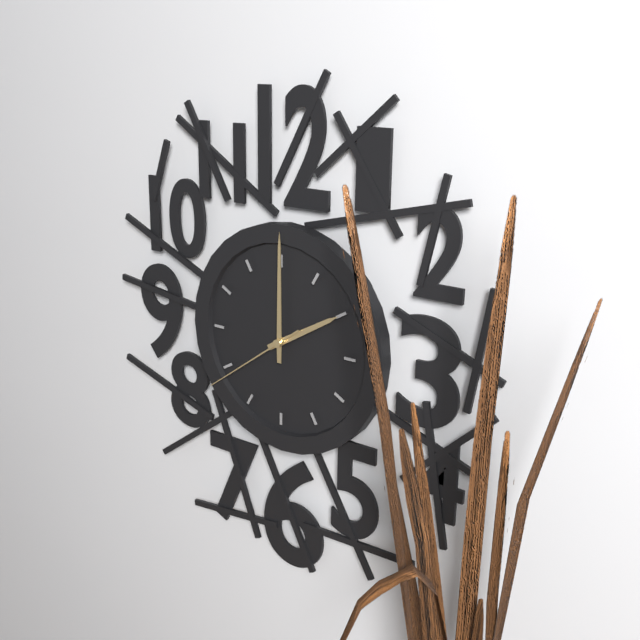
{"hour": 2, "minute": 0, "second": 39}
